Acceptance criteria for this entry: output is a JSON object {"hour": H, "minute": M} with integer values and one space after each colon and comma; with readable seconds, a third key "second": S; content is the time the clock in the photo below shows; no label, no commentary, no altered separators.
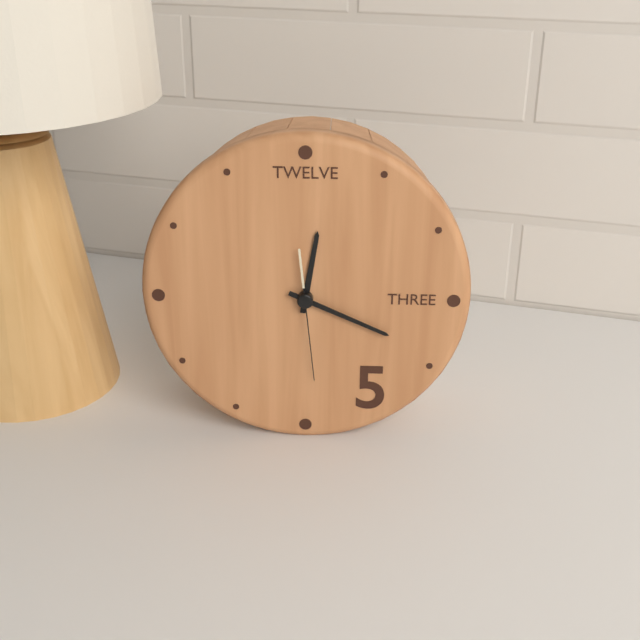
{"hour": 12, "minute": 19, "second": 29}
